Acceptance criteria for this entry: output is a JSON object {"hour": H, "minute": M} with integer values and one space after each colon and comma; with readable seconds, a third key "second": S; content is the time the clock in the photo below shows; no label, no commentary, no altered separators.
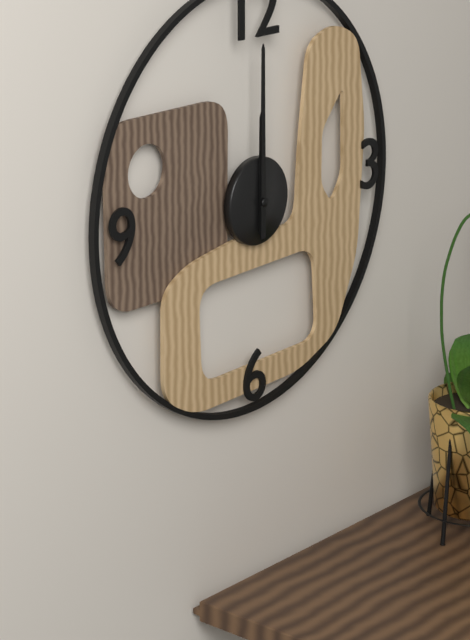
{"hour": 12, "minute": 0}
